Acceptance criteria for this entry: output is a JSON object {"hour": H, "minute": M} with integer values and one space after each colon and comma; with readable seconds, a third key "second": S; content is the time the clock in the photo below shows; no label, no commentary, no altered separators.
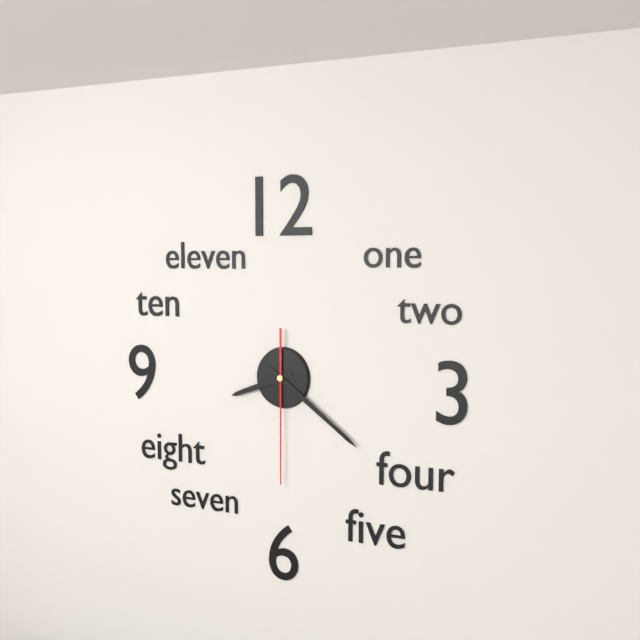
{"hour": 8, "minute": 21, "second": 30}
